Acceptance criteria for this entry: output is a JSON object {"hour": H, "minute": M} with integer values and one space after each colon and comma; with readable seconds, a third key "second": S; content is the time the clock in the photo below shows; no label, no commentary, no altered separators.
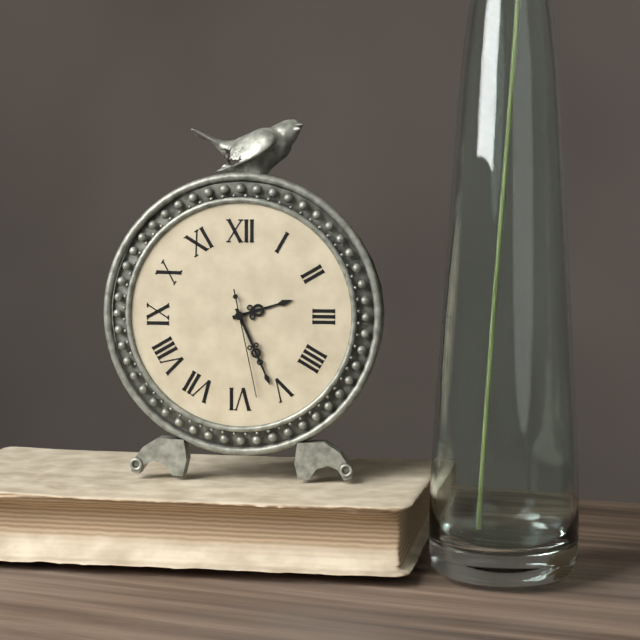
{"hour": 2, "minute": 26, "second": 28}
